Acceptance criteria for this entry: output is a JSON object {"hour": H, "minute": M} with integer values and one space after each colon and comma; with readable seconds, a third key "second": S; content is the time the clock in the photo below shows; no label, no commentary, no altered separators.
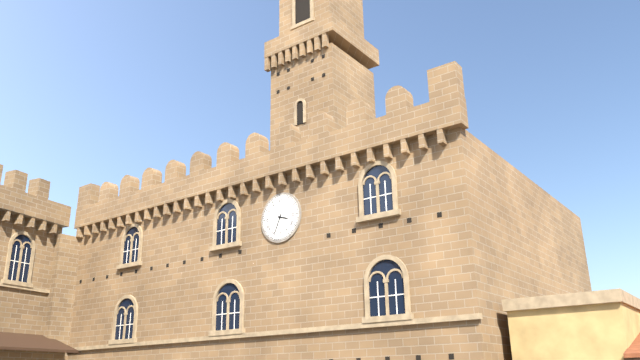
{"hour": 3, "minute": 34}
